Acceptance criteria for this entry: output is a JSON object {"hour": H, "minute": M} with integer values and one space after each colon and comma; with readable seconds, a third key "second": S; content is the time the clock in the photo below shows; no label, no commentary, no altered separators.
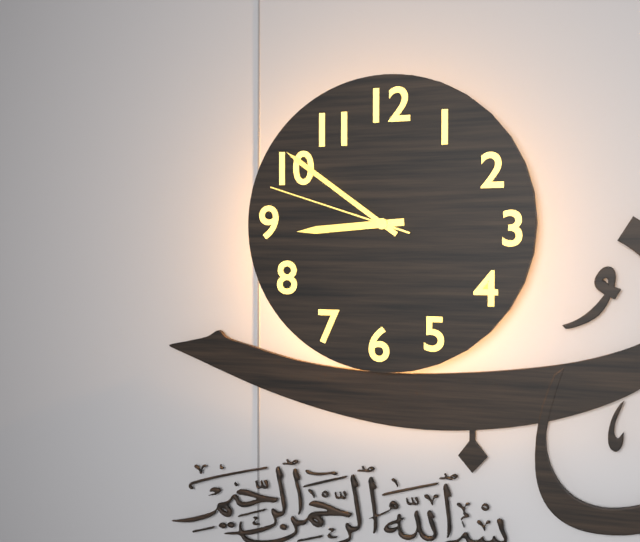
{"hour": 8, "minute": 51, "second": 48}
